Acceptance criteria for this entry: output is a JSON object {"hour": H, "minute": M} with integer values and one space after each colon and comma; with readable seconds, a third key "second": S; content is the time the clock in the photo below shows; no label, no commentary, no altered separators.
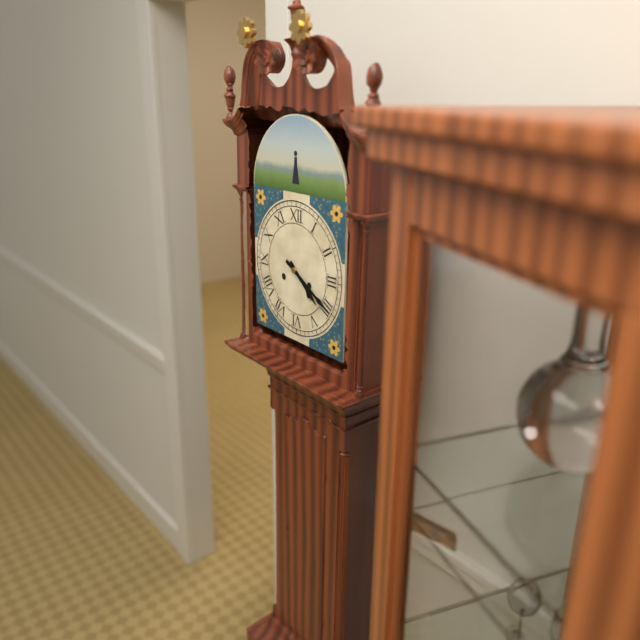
{"hour": 4, "minute": 20}
